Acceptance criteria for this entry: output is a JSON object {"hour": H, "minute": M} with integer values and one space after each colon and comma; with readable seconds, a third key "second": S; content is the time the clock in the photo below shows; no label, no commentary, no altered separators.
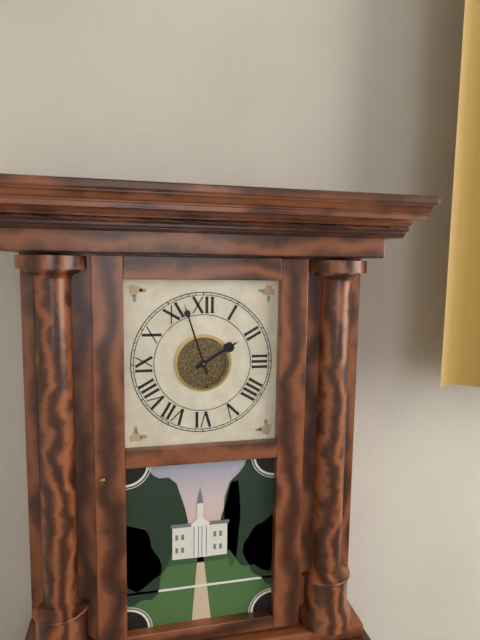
{"hour": 1, "minute": 57}
